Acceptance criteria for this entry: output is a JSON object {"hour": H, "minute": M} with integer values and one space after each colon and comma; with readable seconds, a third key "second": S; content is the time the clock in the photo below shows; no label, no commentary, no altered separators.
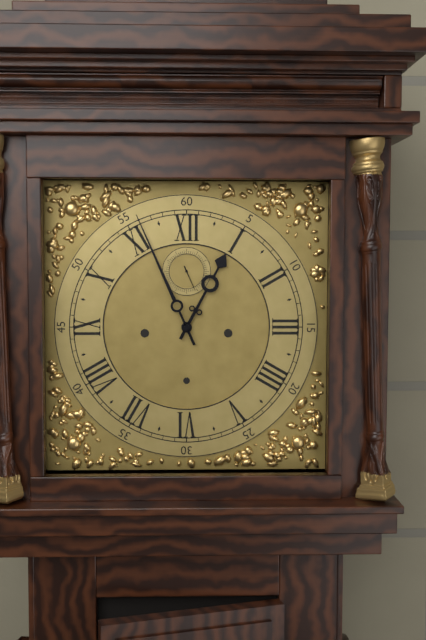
{"hour": 12, "minute": 56}
